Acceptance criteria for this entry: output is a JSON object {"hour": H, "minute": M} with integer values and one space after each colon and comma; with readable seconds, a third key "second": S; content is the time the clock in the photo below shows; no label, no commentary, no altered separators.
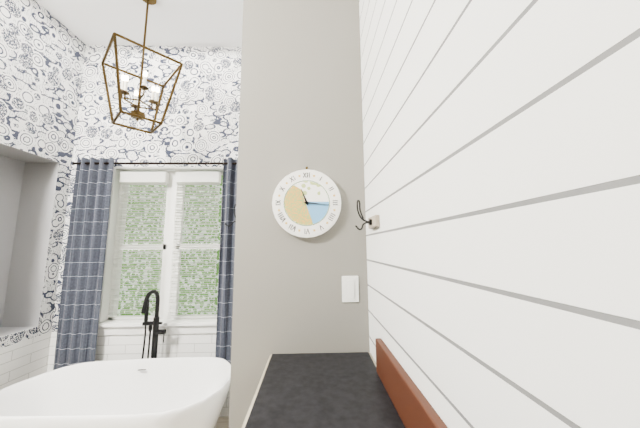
{"hour": 11, "minute": 16}
